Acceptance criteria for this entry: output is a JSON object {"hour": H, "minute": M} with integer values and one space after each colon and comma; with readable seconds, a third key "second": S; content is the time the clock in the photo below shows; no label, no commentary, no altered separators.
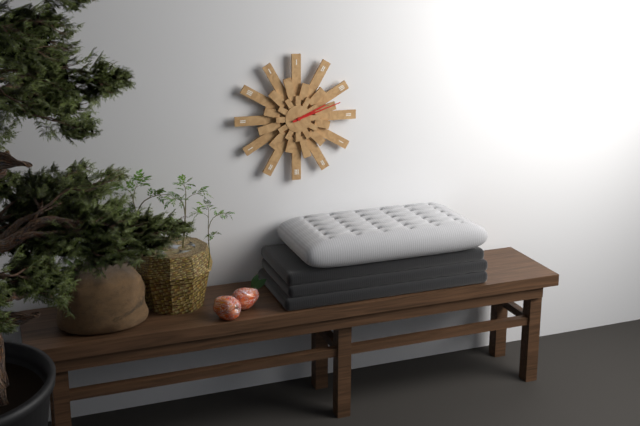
{"hour": 2, "minute": 12}
